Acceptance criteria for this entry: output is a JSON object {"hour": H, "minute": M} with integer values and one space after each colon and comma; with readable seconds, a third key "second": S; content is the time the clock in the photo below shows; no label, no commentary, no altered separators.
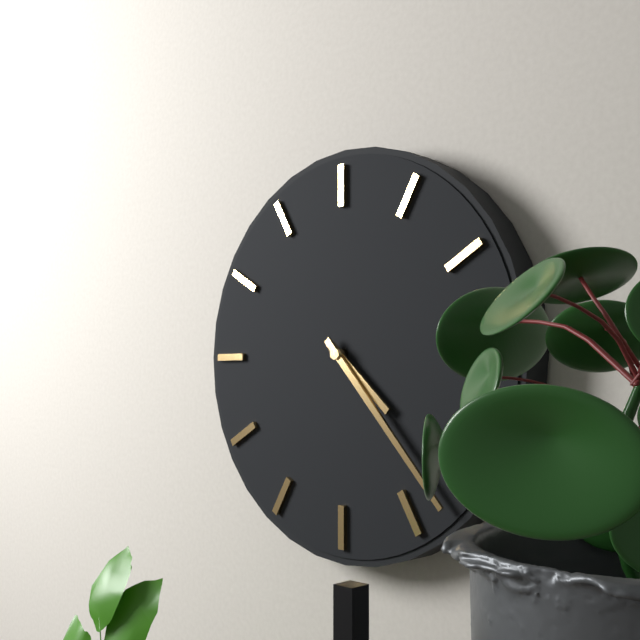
{"hour": 4, "minute": 23}
